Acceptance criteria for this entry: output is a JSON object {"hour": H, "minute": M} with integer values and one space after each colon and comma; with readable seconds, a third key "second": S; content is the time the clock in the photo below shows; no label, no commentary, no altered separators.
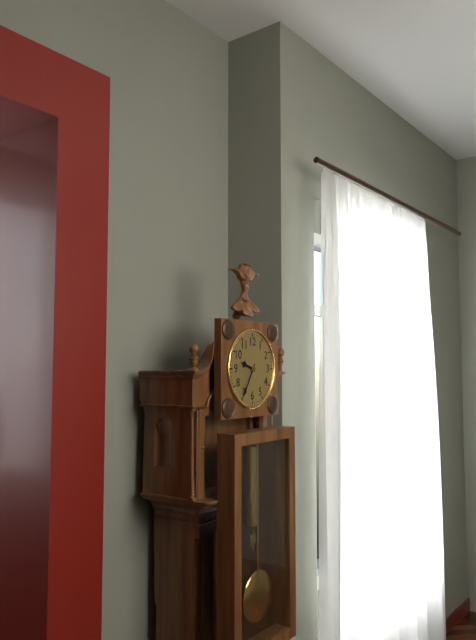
{"hour": 9, "minute": 35}
